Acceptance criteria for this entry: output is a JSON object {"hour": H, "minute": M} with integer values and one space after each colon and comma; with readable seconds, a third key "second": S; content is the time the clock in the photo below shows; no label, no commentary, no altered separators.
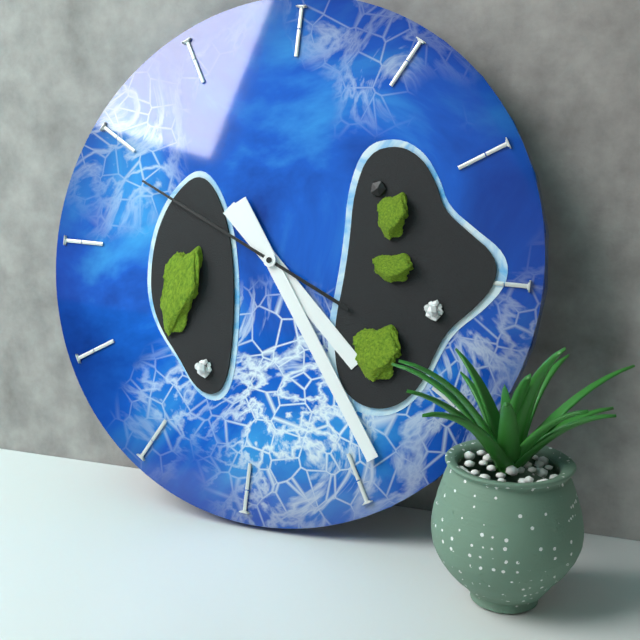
{"hour": 4, "minute": 24, "second": 49}
